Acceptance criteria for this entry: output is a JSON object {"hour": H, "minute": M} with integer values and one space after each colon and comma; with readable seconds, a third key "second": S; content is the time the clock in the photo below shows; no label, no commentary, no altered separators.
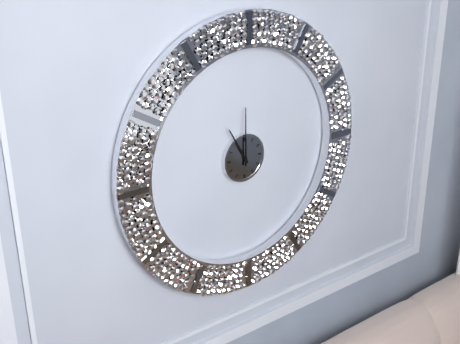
{"hour": 11, "minute": 0}
